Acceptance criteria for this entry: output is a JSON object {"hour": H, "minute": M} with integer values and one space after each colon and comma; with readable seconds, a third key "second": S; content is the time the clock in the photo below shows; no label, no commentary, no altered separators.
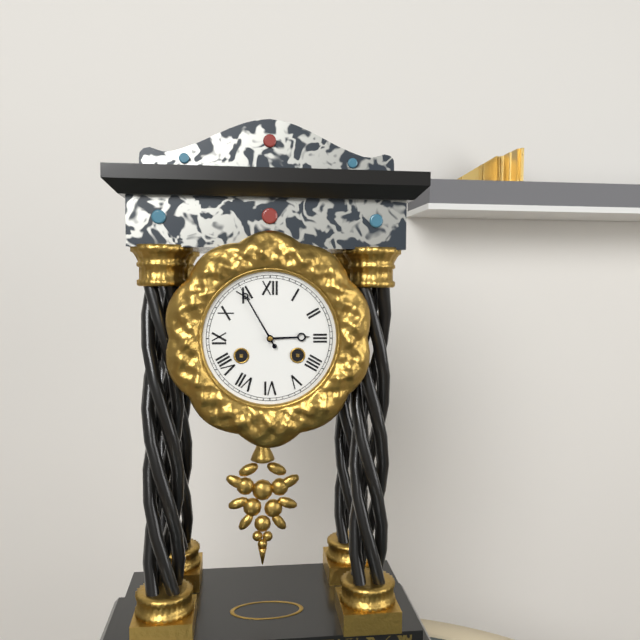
{"hour": 2, "minute": 55}
